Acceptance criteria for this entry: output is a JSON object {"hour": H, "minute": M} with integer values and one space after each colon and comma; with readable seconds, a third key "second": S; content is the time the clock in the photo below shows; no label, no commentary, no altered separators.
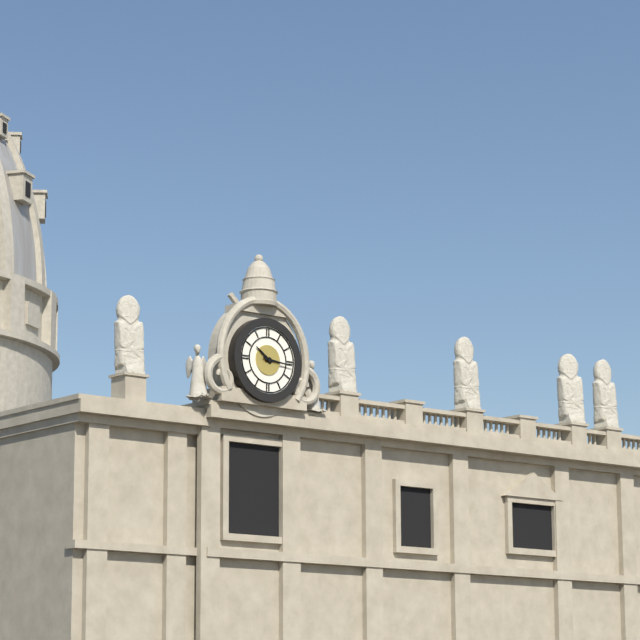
{"hour": 10, "minute": 16}
